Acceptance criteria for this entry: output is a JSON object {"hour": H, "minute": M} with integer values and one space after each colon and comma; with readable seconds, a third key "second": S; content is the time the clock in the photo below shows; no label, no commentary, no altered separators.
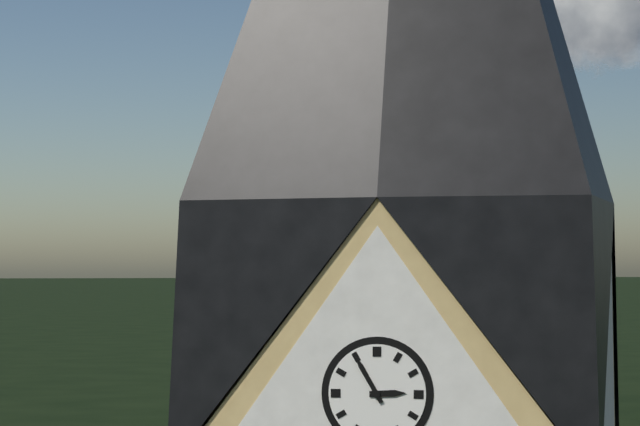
{"hour": 2, "minute": 55}
